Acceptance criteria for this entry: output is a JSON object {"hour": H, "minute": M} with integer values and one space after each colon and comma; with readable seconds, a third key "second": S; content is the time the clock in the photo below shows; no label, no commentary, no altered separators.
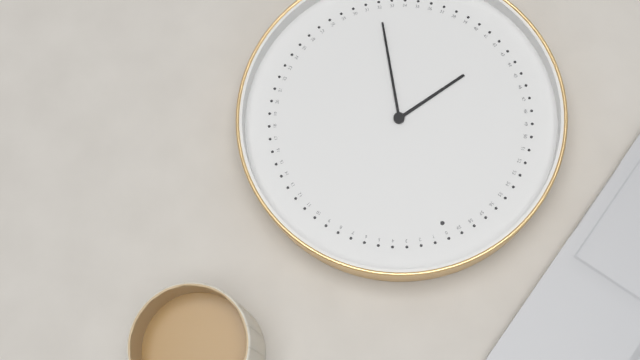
{"hour": 8, "minute": 32}
